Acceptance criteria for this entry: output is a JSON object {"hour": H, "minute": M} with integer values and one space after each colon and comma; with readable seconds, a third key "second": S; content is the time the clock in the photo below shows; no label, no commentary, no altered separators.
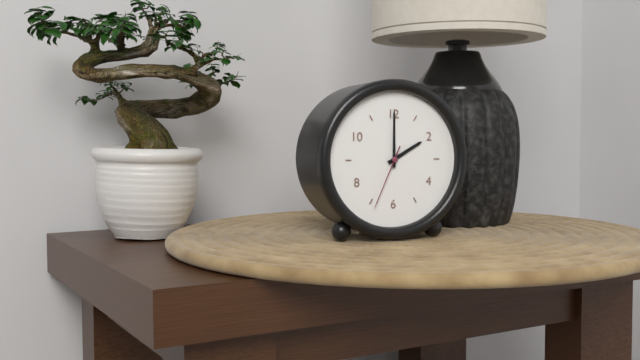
{"hour": 2, "minute": 0, "second": 34}
